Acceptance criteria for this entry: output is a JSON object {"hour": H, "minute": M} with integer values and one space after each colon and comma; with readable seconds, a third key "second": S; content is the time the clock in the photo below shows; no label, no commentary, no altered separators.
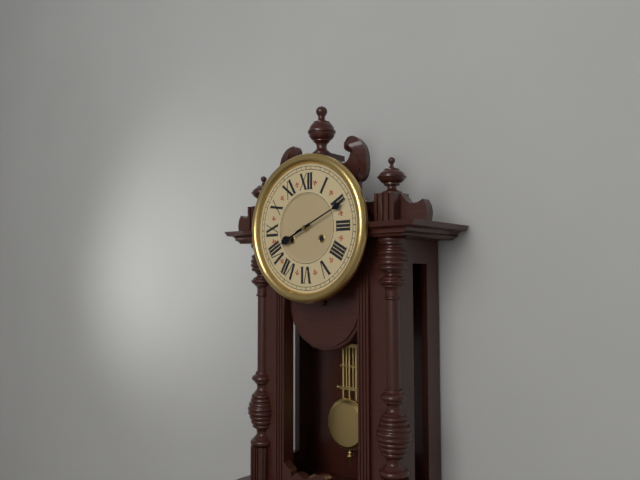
{"hour": 8, "minute": 11}
